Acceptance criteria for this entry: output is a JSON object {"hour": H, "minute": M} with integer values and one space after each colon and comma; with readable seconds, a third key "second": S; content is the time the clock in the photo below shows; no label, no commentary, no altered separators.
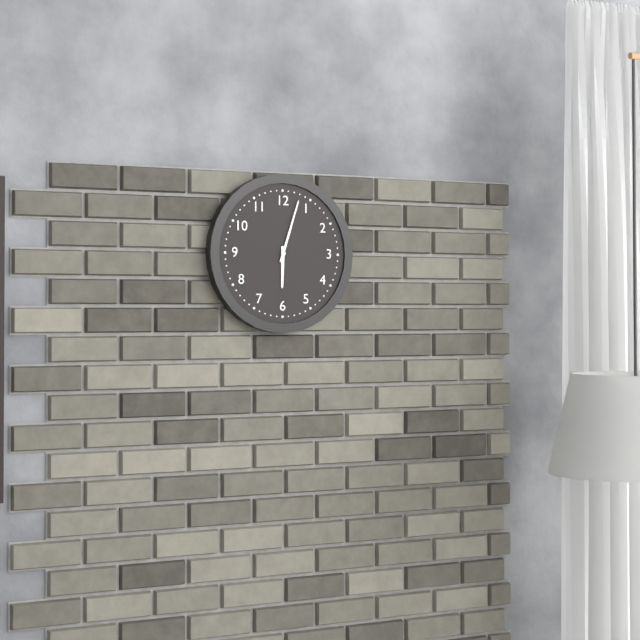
{"hour": 6, "minute": 3}
